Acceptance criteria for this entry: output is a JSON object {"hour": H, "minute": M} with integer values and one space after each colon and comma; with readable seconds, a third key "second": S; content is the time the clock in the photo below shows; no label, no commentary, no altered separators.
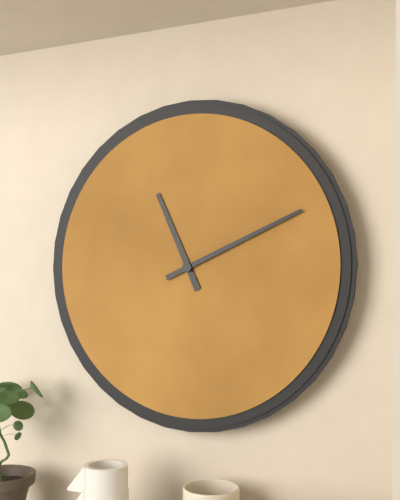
{"hour": 11, "minute": 11}
